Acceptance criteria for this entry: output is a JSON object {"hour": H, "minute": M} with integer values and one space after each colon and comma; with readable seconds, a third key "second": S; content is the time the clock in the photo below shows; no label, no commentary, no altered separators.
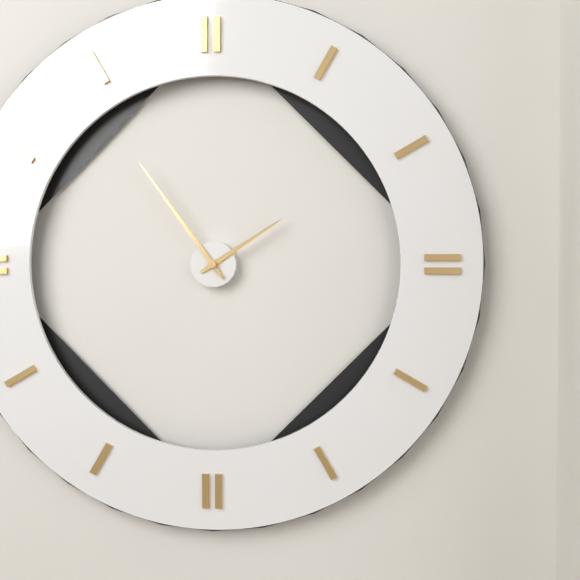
{"hour": 1, "minute": 54}
